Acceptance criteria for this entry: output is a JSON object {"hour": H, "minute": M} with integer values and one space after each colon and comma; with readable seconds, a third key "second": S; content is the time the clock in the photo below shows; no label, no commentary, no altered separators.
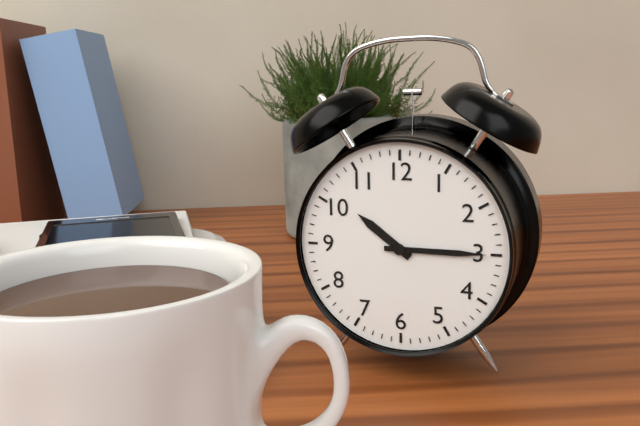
{"hour": 10, "minute": 15}
